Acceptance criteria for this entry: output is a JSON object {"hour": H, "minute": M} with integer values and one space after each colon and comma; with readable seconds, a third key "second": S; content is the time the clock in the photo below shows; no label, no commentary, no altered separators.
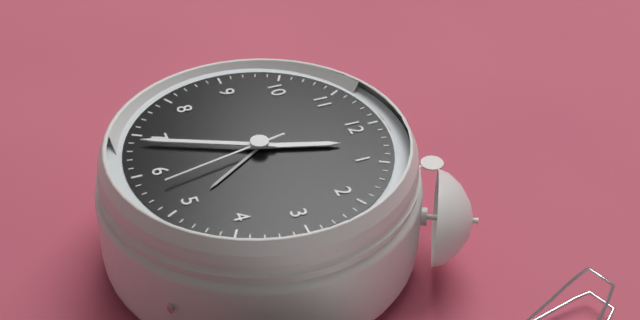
{"hour": 12, "minute": 34, "second": 28}
